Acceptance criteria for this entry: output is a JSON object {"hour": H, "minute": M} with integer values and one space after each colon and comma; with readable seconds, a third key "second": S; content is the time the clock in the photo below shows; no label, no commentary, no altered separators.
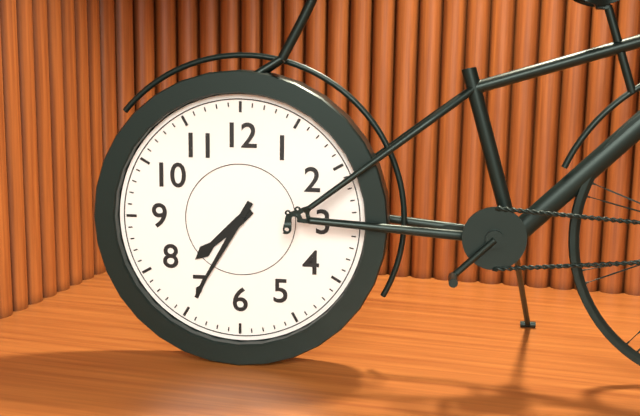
{"hour": 7, "minute": 35}
